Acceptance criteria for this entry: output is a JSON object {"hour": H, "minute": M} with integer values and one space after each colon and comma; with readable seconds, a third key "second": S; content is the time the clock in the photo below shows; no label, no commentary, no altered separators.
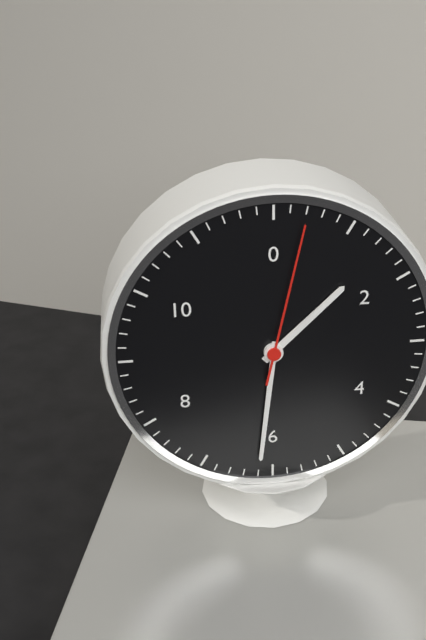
{"hour": 1, "minute": 31, "second": 2}
